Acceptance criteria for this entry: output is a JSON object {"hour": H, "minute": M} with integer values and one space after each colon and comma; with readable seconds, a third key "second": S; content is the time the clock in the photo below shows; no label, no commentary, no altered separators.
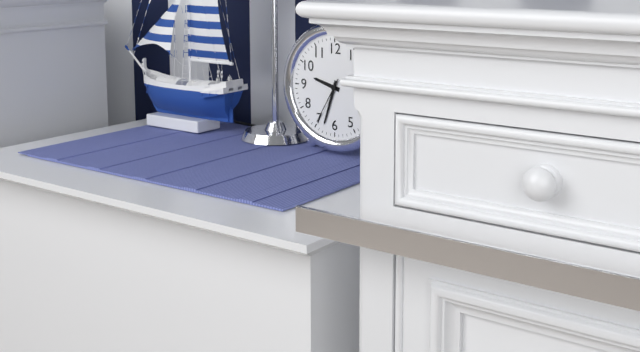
{"hour": 9, "minute": 33}
